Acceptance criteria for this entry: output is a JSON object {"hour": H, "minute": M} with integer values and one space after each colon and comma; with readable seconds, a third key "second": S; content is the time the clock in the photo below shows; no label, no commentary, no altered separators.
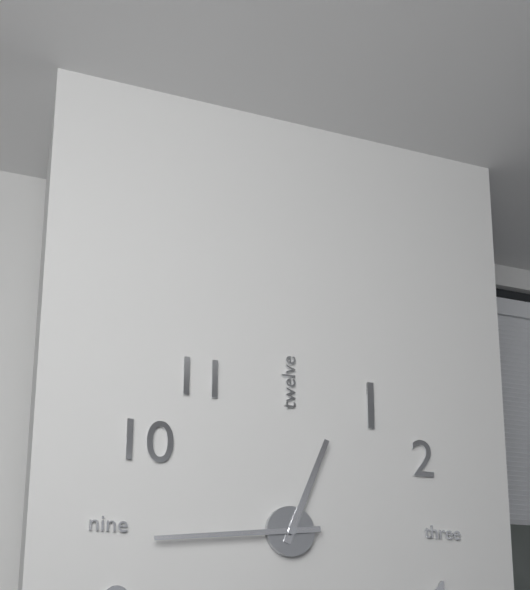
{"hour": 12, "minute": 44}
